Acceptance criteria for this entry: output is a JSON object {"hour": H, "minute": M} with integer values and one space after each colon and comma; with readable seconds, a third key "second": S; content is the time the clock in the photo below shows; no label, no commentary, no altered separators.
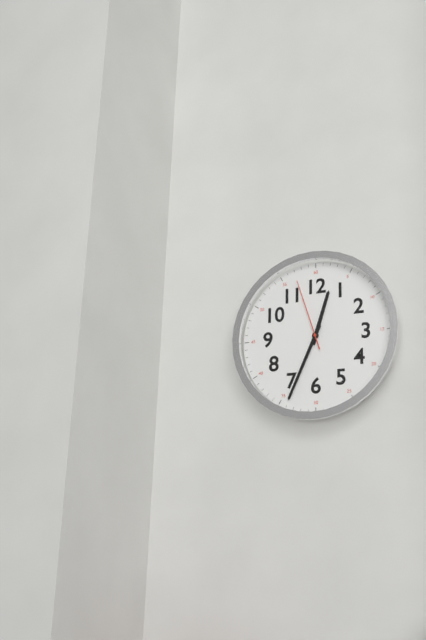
{"hour": 12, "minute": 34, "second": 57}
